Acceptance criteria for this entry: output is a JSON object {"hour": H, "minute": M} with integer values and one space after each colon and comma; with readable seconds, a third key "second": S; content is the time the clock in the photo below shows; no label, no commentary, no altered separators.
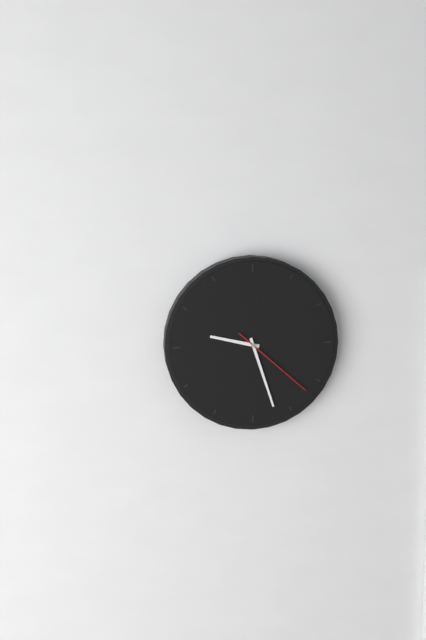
{"hour": 9, "minute": 27, "second": 22}
